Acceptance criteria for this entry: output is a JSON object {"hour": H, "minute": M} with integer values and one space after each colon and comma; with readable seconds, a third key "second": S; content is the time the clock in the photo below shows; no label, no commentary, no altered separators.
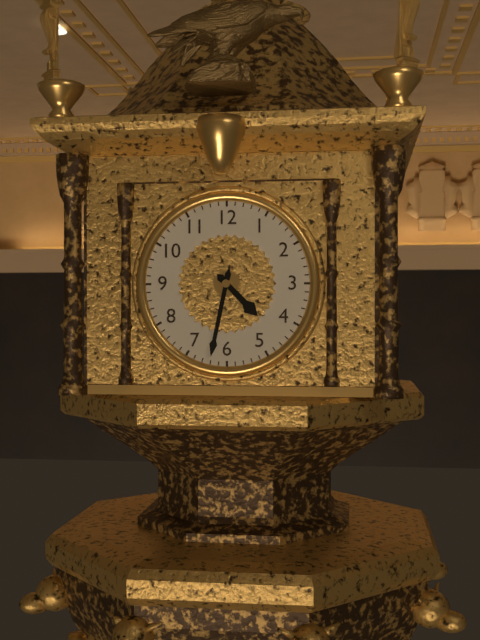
{"hour": 4, "minute": 32}
